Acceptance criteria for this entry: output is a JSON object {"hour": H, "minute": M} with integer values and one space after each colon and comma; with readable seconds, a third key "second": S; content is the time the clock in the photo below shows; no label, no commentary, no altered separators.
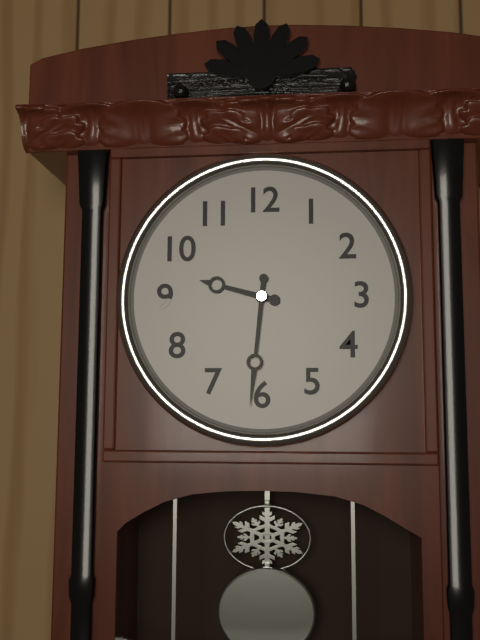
{"hour": 9, "minute": 31}
